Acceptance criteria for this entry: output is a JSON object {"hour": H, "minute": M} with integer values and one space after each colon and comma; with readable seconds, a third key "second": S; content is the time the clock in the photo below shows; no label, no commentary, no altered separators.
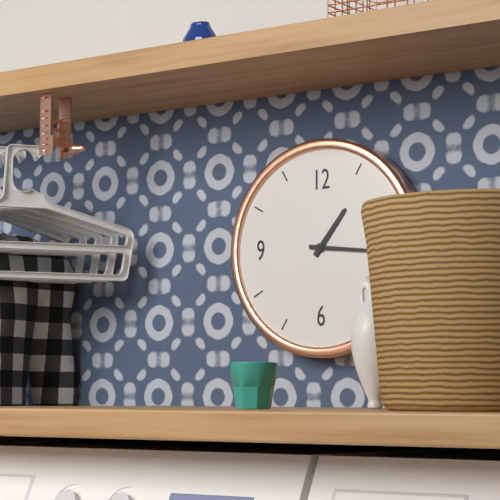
{"hour": 1, "minute": 16}
